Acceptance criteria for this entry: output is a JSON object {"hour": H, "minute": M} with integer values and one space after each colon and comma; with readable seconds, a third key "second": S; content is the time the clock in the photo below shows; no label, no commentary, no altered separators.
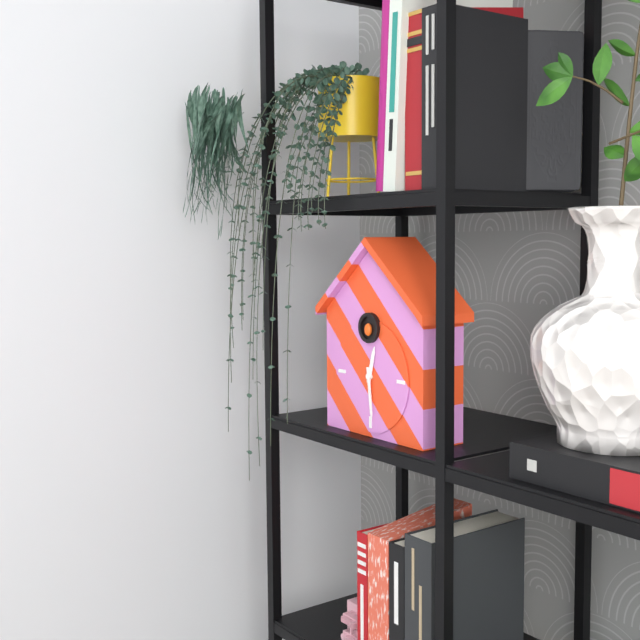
{"hour": 12, "minute": 29}
